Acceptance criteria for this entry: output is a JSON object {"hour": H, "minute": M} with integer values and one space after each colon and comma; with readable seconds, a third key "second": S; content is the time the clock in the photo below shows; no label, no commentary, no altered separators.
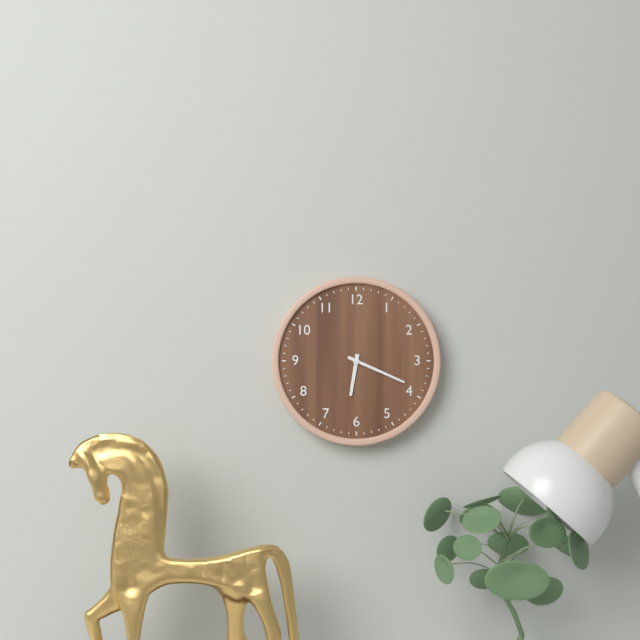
{"hour": 6, "minute": 19}
